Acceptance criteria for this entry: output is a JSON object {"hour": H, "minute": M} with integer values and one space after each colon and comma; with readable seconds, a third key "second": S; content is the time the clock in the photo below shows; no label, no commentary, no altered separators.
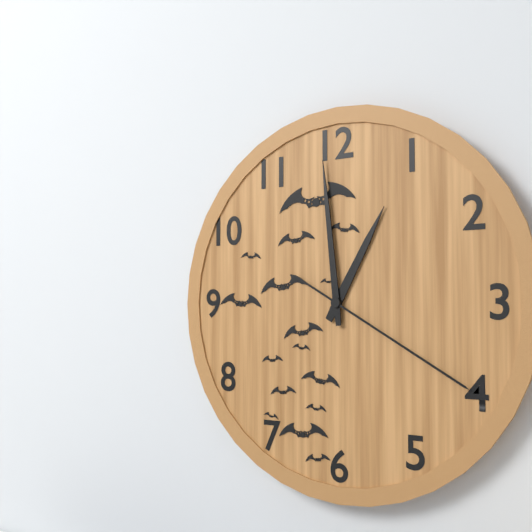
{"hour": 12, "minute": 59, "second": 20}
